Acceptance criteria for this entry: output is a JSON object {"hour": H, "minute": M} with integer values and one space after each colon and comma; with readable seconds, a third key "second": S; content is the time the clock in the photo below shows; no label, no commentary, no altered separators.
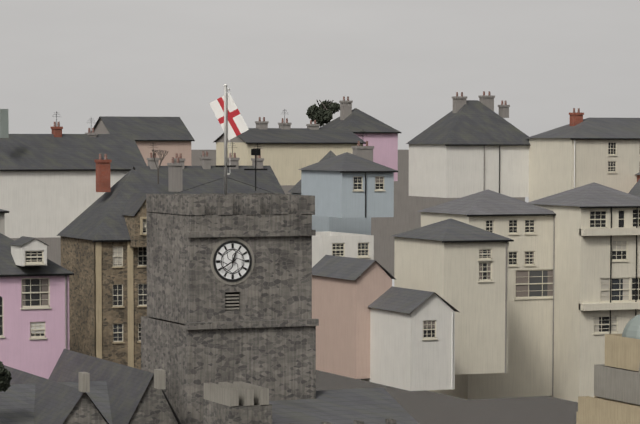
{"hour": 12, "minute": 40}
